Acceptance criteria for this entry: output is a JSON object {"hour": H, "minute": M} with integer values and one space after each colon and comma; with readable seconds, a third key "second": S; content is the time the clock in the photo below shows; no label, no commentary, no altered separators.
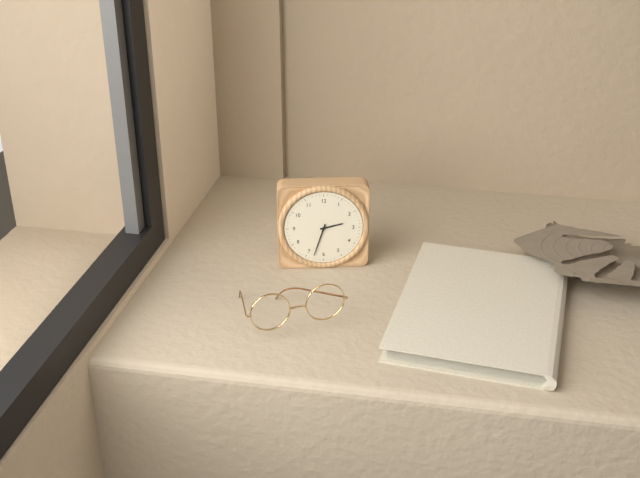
{"hour": 2, "minute": 33}
